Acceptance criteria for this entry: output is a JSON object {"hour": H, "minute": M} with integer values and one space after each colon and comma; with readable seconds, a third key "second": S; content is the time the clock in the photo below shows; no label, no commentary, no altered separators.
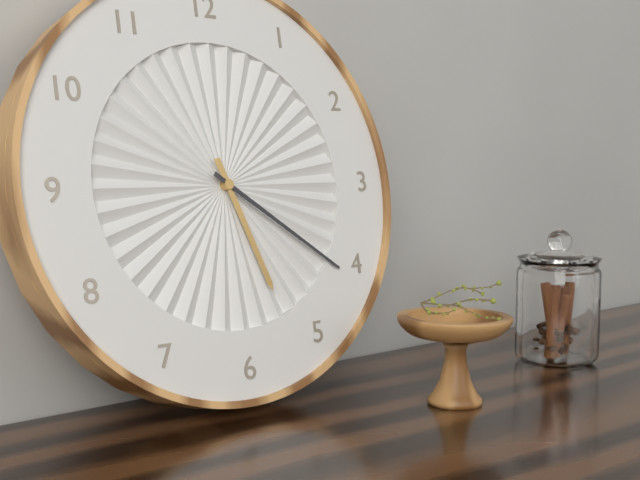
{"hour": 5, "minute": 21}
